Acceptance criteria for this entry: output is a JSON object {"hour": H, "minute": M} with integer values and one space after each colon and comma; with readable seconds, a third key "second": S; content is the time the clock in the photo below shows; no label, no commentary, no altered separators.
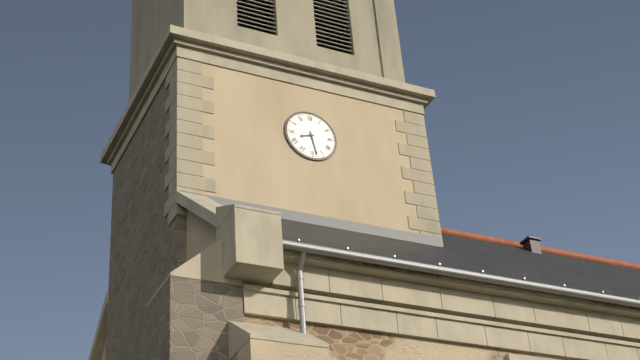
{"hour": 8, "minute": 28}
